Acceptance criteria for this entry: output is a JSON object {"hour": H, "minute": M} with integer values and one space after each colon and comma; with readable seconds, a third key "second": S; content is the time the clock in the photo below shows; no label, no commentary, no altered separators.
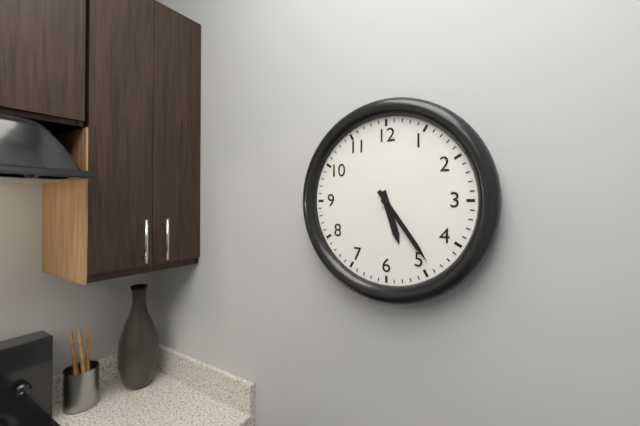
{"hour": 5, "minute": 24}
